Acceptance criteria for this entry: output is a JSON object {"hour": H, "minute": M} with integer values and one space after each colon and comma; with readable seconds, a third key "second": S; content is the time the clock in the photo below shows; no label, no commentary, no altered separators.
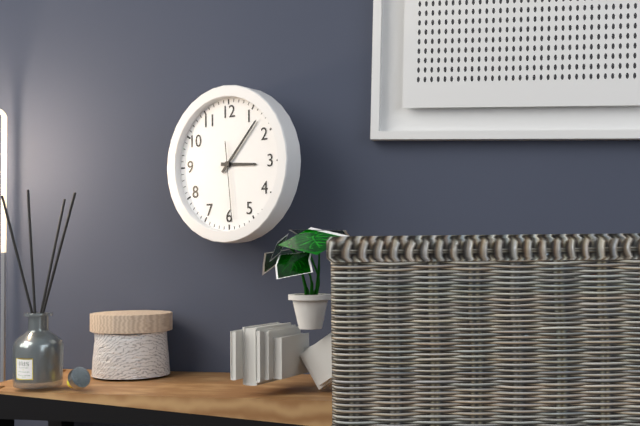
{"hour": 3, "minute": 7, "second": 29}
